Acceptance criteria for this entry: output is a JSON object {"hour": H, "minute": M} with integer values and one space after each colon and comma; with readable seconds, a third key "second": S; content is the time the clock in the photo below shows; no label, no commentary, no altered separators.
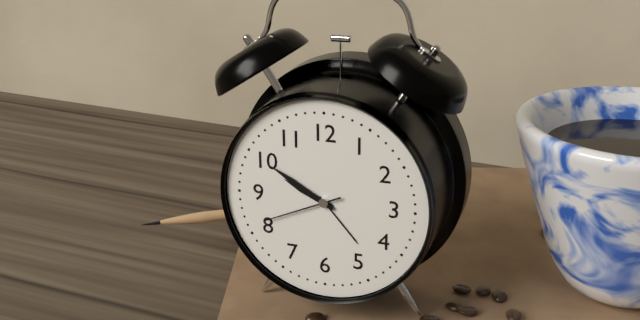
{"hour": 9, "minute": 50, "second": 41}
